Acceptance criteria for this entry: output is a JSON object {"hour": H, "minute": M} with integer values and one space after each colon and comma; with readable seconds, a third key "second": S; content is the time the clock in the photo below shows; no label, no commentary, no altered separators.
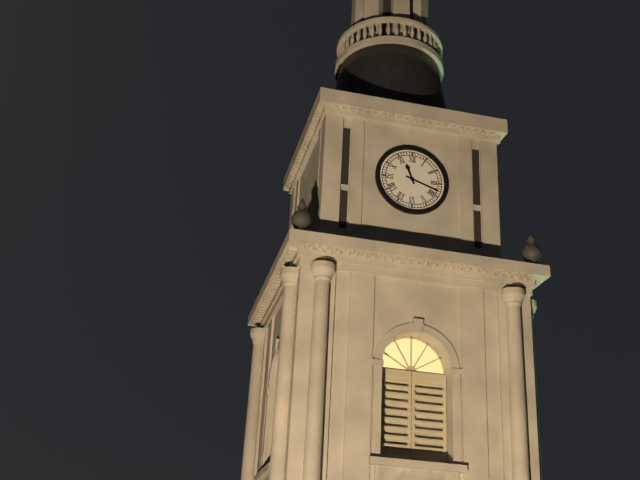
{"hour": 11, "minute": 18}
